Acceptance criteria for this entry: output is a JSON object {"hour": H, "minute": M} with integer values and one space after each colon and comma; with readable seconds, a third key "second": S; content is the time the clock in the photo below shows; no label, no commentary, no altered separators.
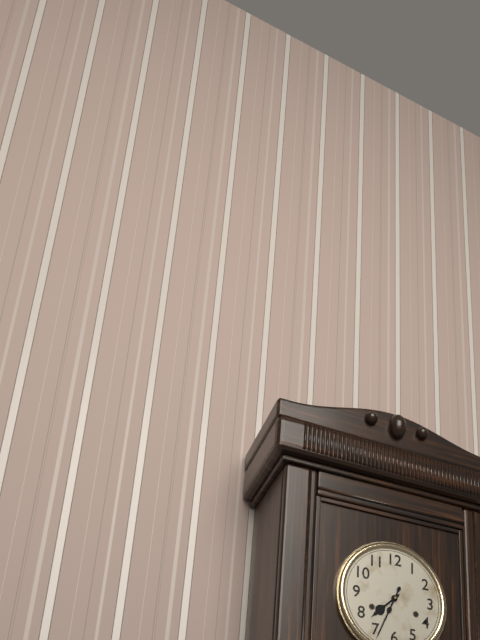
{"hour": 7, "minute": 34}
